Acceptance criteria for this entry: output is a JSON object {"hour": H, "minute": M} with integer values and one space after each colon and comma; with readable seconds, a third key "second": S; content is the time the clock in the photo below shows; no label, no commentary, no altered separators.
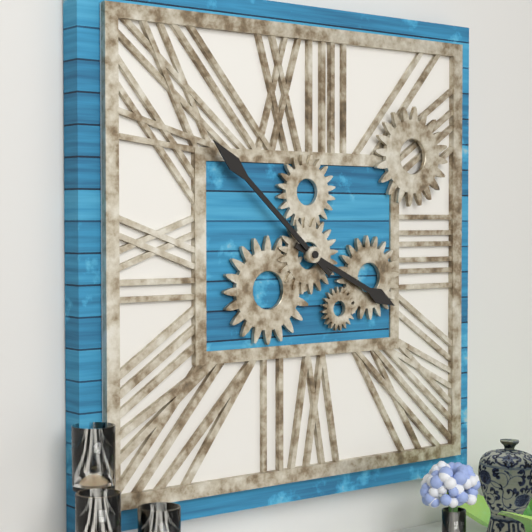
{"hour": 3, "minute": 52}
